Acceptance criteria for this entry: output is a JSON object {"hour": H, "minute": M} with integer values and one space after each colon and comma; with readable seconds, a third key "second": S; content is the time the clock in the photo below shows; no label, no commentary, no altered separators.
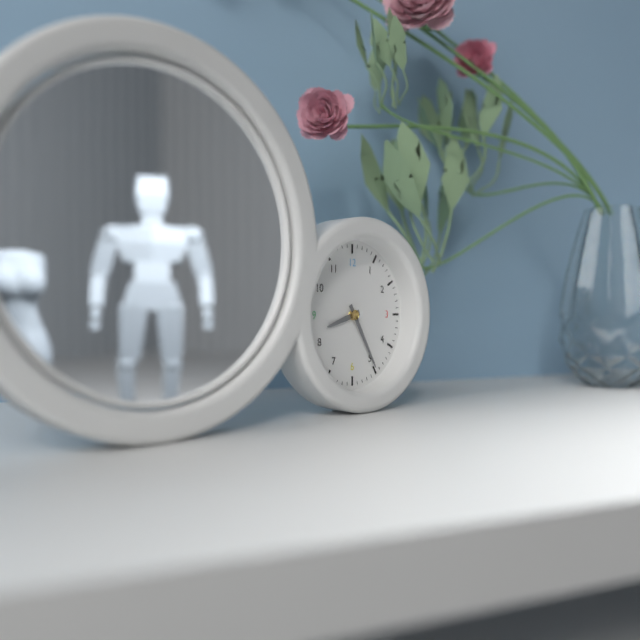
{"hour": 8, "minute": 25}
